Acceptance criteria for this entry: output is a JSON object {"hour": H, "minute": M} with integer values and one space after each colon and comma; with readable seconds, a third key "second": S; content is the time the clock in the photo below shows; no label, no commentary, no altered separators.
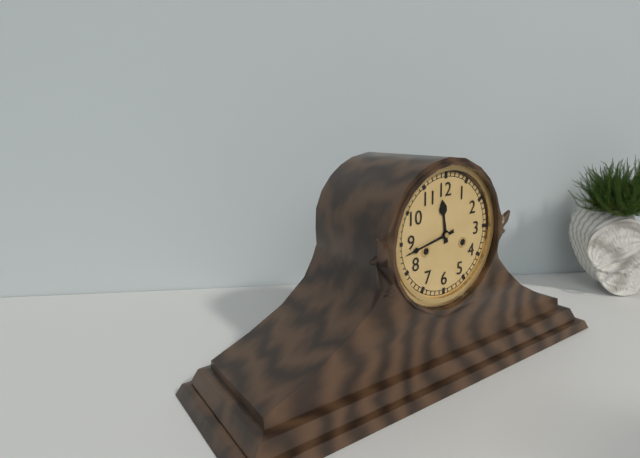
{"hour": 11, "minute": 43}
